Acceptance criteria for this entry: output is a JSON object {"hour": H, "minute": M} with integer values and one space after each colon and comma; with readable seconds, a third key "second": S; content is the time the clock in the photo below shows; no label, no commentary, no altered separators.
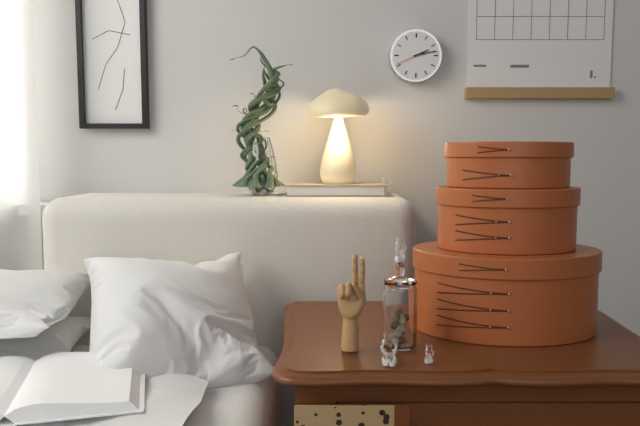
{"hour": 2, "minute": 13}
